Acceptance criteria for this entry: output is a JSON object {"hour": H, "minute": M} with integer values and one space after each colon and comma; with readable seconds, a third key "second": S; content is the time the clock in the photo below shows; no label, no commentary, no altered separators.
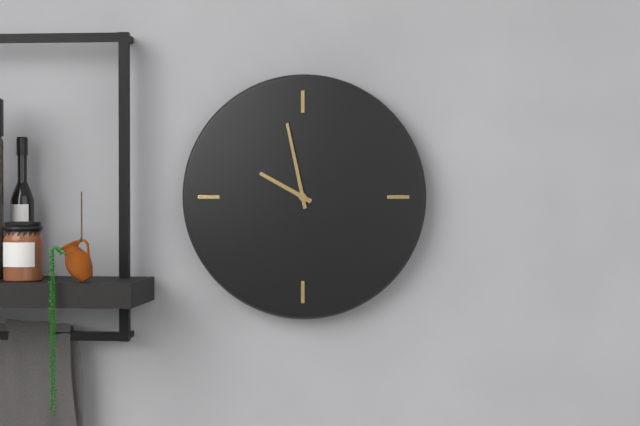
{"hour": 9, "minute": 58}
